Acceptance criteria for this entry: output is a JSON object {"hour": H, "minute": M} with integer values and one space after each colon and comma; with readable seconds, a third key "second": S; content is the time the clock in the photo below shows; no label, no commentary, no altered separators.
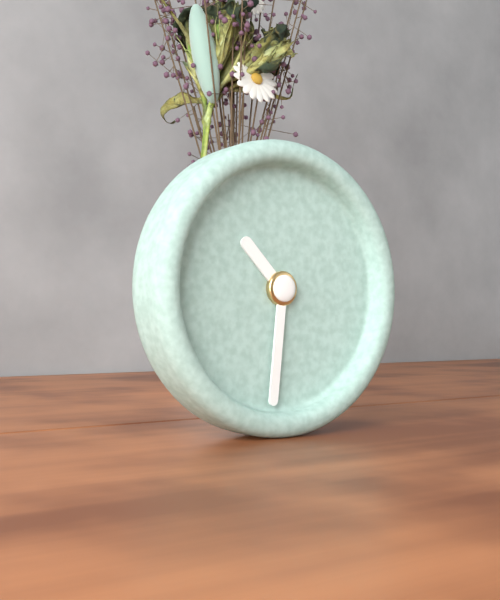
{"hour": 10, "minute": 31}
